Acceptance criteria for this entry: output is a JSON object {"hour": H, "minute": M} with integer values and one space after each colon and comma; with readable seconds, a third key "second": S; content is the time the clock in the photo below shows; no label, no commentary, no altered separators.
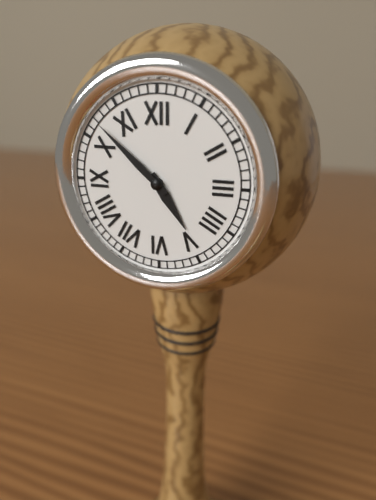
{"hour": 4, "minute": 52}
